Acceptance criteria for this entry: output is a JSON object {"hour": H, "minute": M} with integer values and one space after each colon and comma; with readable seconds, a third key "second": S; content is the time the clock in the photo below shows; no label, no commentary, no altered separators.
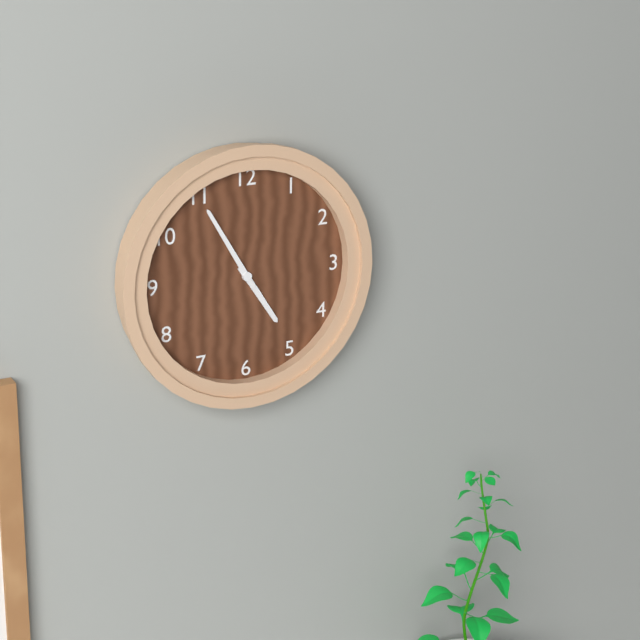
{"hour": 4, "minute": 55}
